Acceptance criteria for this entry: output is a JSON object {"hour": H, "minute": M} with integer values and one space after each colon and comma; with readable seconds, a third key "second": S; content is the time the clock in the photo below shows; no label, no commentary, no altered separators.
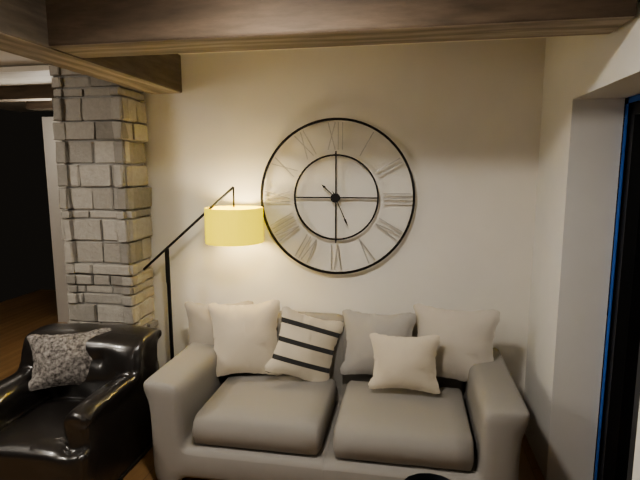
{"hour": 10, "minute": 26}
